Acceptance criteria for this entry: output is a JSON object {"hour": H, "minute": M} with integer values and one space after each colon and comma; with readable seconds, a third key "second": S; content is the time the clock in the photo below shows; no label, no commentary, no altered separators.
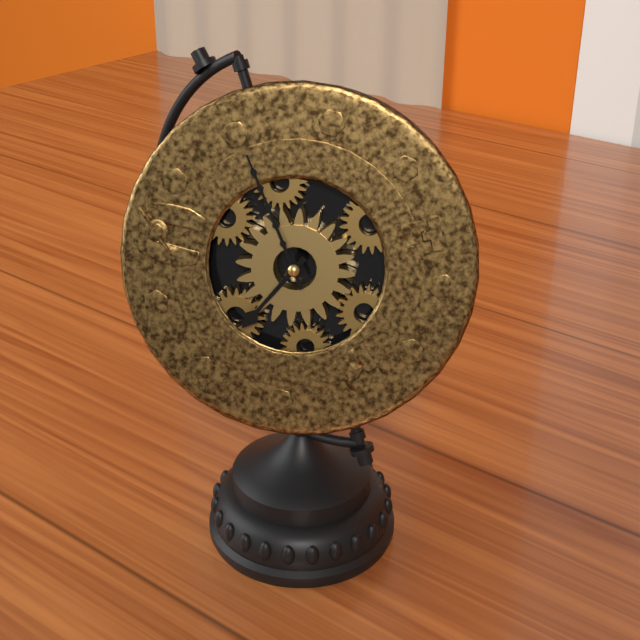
{"hour": 6, "minute": 54}
